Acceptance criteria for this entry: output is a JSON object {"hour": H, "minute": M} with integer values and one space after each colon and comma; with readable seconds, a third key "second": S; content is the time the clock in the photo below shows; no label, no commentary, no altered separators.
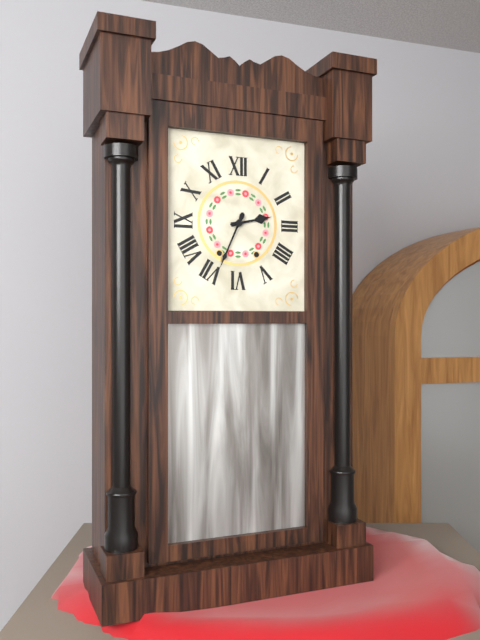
{"hour": 2, "minute": 34}
